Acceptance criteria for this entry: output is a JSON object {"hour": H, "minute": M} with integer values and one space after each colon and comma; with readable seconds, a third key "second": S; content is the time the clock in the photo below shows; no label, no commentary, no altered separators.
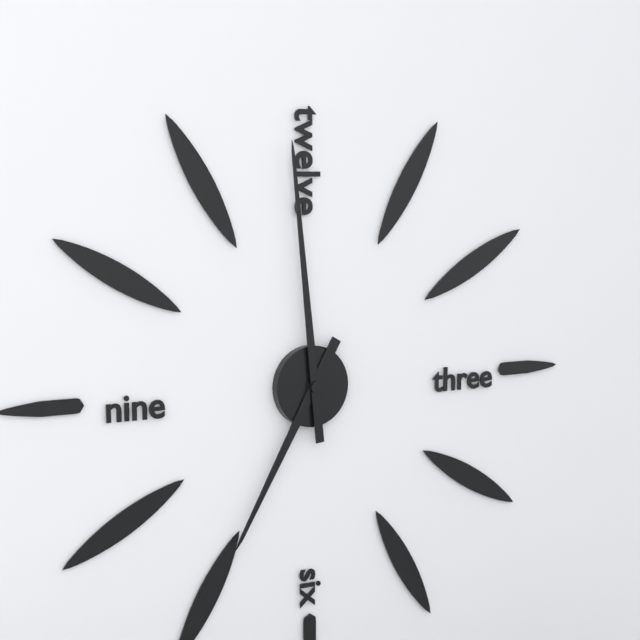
{"hour": 6, "minute": 59}
